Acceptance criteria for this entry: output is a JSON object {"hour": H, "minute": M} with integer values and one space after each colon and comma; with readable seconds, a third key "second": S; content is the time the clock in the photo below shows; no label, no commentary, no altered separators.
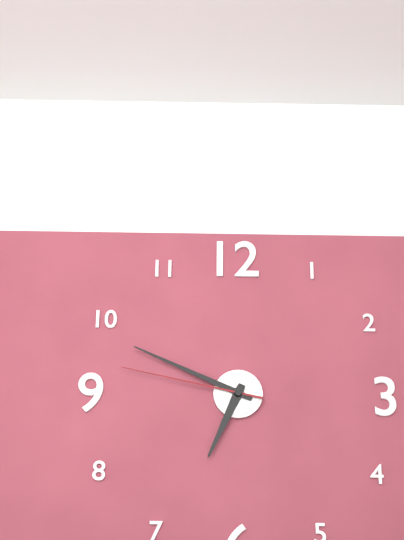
{"hour": 6, "minute": 49, "second": 47}
